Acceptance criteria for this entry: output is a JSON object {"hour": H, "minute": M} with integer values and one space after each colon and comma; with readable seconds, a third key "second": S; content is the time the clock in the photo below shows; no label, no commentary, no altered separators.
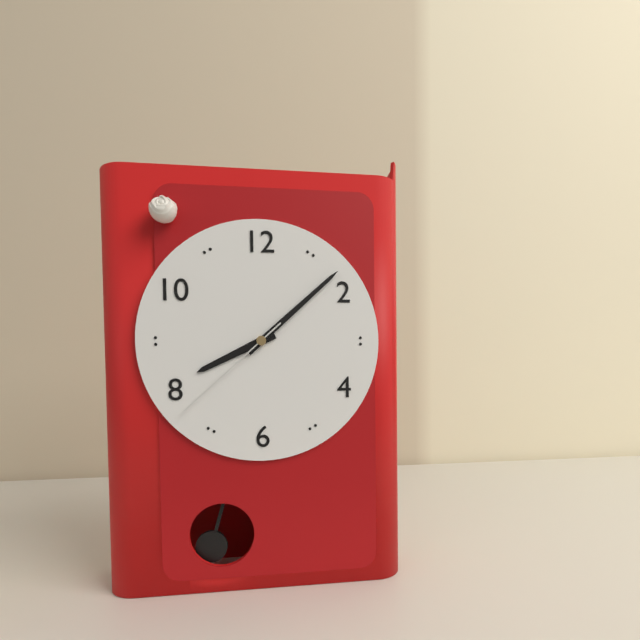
{"hour": 8, "minute": 8, "second": 38}
